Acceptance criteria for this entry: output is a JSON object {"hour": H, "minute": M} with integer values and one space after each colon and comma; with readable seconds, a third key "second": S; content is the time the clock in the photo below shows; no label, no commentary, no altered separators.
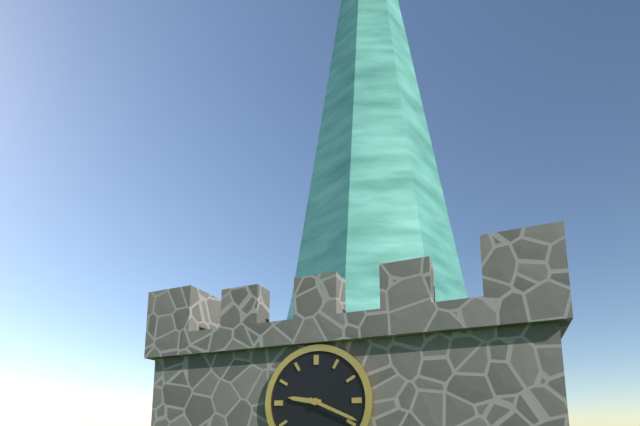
{"hour": 9, "minute": 19}
